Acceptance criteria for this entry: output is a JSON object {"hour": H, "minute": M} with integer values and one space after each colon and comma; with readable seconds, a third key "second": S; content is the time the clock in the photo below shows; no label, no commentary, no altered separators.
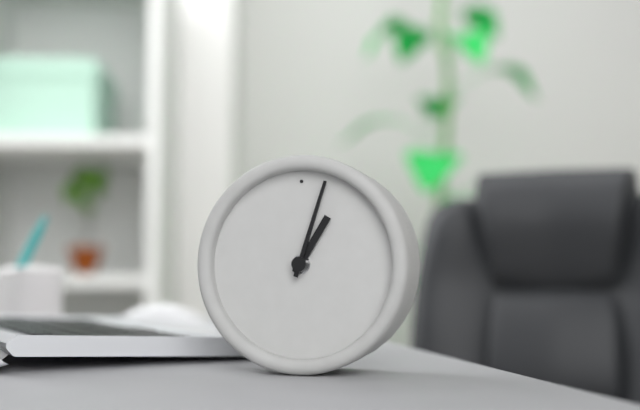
{"hour": 1, "minute": 3}
